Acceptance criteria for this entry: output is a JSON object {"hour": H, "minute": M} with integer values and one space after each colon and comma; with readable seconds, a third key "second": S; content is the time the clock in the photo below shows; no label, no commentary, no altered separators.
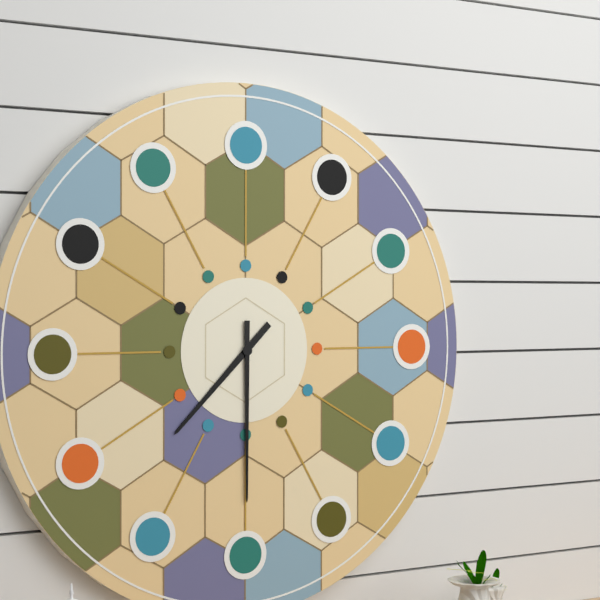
{"hour": 7, "minute": 30}
